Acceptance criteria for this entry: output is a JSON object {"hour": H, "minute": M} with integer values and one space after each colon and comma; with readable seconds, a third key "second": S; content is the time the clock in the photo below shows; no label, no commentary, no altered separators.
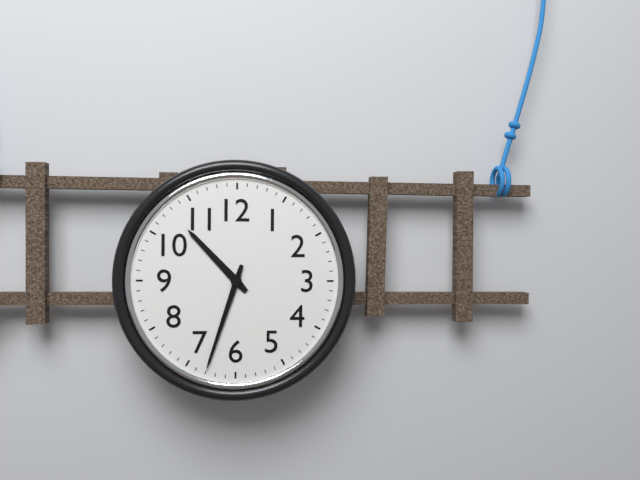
{"hour": 10, "minute": 33}
